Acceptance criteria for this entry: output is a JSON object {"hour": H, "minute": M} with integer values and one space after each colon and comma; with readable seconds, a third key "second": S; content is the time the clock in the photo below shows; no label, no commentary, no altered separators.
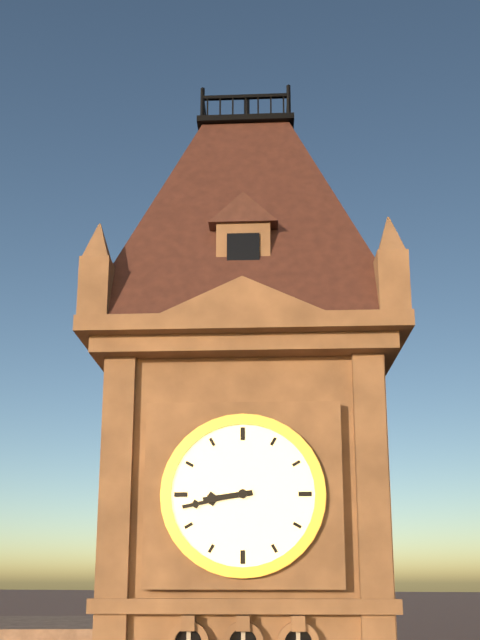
{"hour": 8, "minute": 43}
